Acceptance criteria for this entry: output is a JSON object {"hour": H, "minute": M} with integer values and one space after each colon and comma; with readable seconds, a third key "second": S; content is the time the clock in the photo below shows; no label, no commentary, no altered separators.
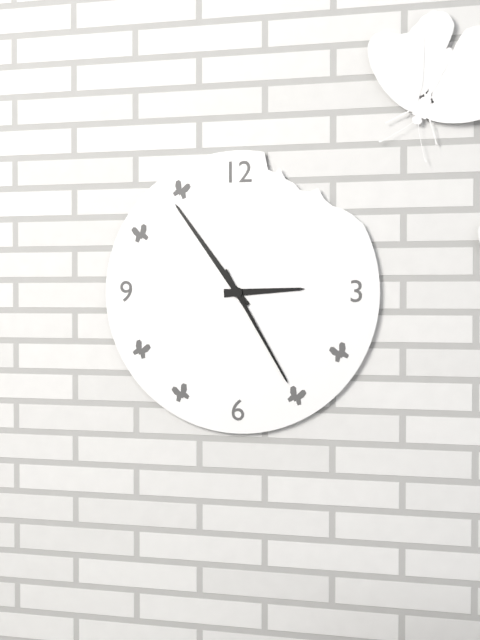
{"hour": 2, "minute": 54, "second": 25}
